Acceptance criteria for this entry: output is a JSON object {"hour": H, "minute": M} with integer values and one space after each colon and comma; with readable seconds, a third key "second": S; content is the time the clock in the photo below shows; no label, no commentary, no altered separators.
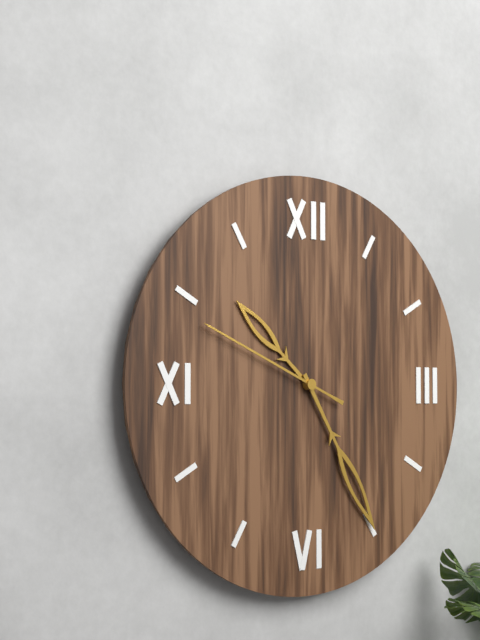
{"hour": 10, "minute": 25, "second": 49}
